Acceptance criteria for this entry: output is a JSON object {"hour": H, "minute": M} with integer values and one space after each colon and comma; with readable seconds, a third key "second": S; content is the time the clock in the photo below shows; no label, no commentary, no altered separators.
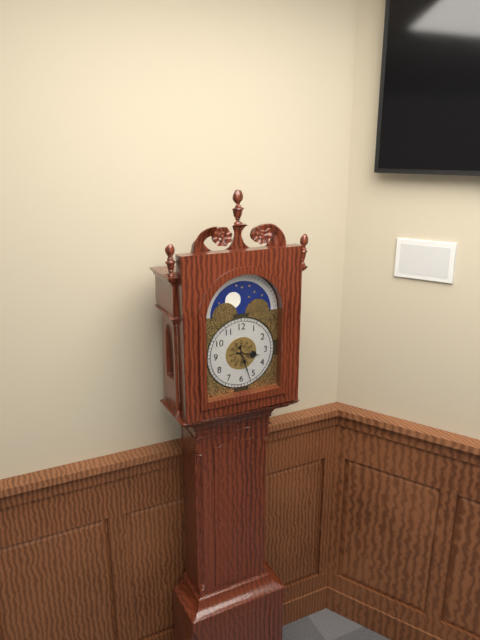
{"hour": 3, "minute": 27}
